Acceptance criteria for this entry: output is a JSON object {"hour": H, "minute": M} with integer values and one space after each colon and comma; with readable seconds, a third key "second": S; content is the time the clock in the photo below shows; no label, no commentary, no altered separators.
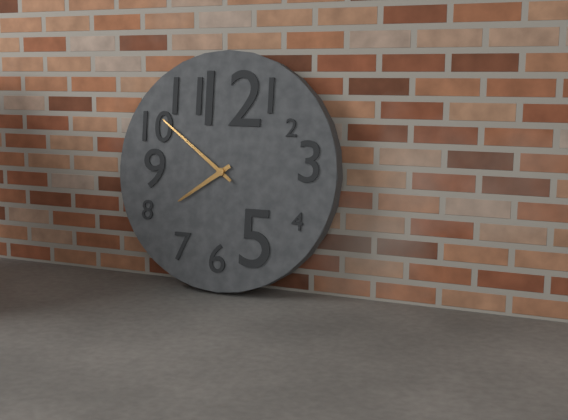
{"hour": 7, "minute": 51}
